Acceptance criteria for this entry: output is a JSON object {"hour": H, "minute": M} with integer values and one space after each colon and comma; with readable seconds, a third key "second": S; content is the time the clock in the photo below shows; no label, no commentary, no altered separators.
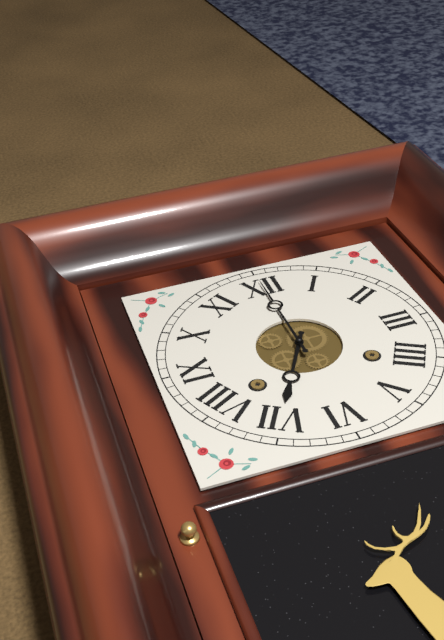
{"hour": 7, "minute": 0}
